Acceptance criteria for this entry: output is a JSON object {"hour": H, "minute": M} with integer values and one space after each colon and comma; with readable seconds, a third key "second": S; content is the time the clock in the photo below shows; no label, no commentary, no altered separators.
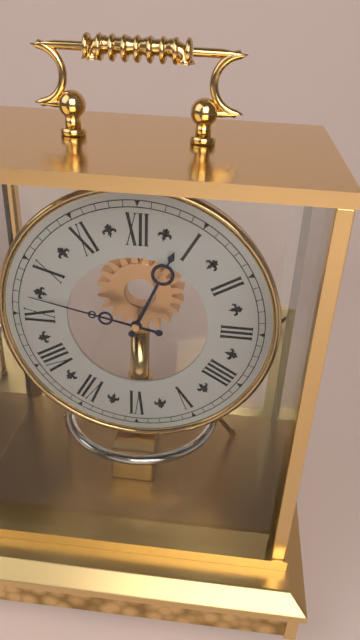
{"hour": 12, "minute": 47}
